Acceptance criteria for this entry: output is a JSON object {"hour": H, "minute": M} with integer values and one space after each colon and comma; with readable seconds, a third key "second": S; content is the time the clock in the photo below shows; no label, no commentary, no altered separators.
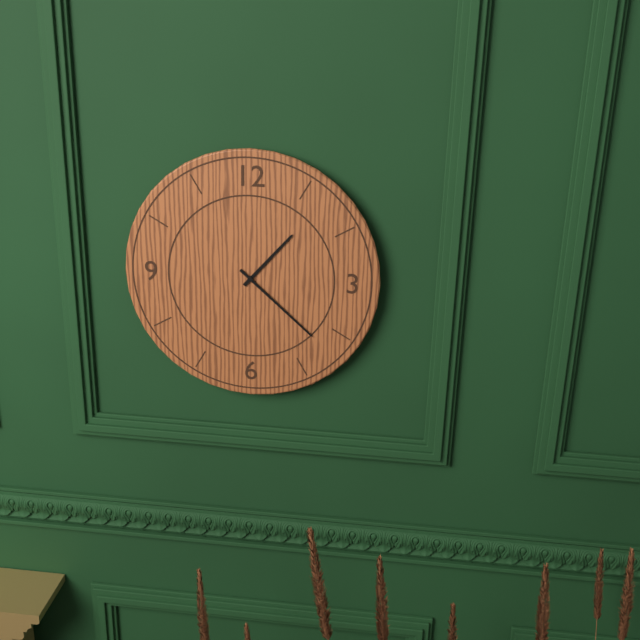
{"hour": 1, "minute": 22}
